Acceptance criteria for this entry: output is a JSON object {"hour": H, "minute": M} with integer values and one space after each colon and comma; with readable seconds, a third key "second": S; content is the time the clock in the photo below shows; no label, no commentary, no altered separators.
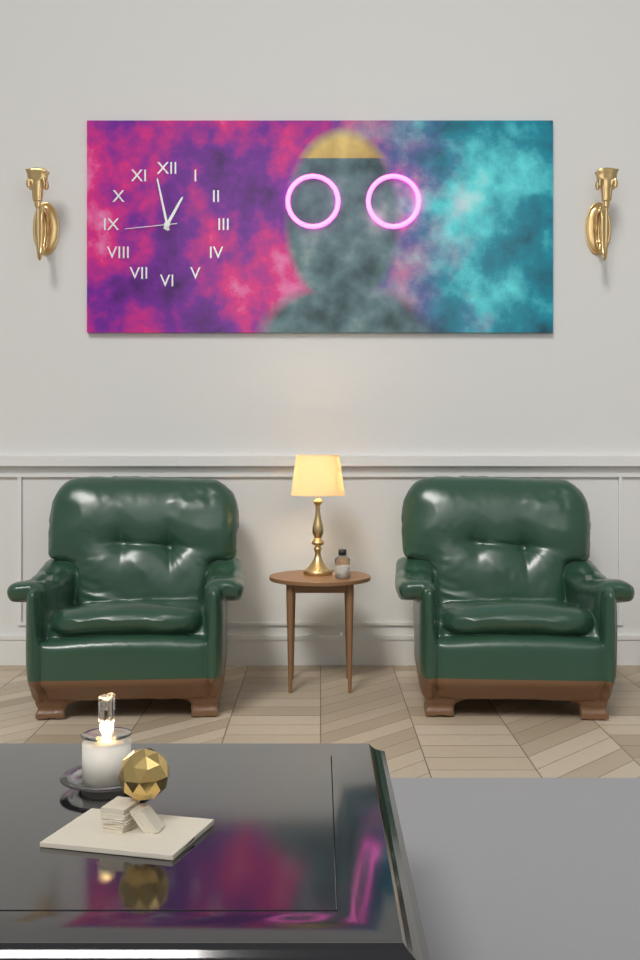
{"hour": 12, "minute": 58, "second": 44}
